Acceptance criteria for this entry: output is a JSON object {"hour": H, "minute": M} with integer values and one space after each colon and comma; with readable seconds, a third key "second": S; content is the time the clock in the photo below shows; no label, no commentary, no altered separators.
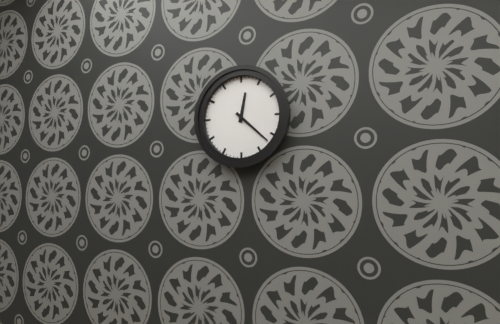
{"hour": 12, "minute": 22}
